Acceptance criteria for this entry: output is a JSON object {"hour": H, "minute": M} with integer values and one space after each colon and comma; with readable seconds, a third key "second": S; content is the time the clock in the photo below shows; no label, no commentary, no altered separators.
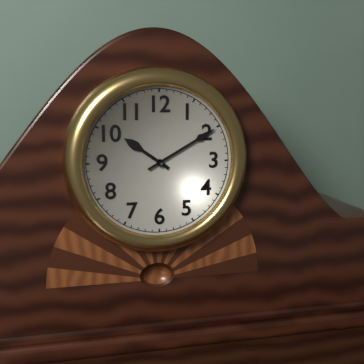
{"hour": 10, "minute": 10}
